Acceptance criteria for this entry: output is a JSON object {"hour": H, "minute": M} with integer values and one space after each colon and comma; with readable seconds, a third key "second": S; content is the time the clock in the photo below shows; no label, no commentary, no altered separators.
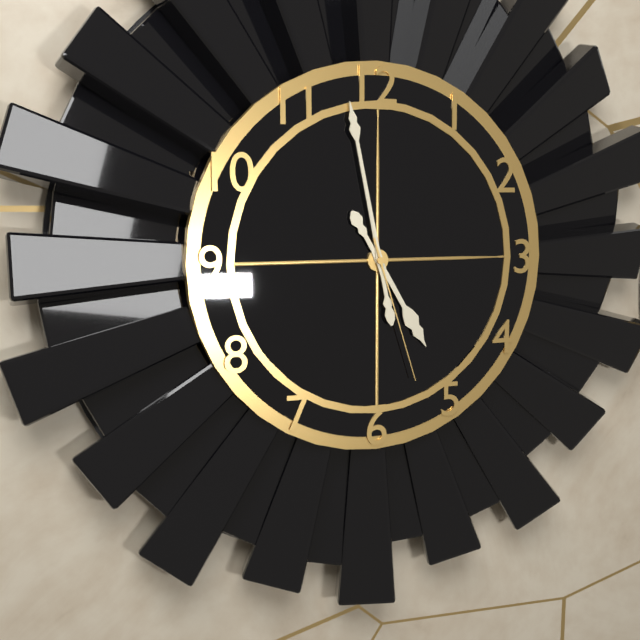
{"hour": 4, "minute": 58, "second": 27}
